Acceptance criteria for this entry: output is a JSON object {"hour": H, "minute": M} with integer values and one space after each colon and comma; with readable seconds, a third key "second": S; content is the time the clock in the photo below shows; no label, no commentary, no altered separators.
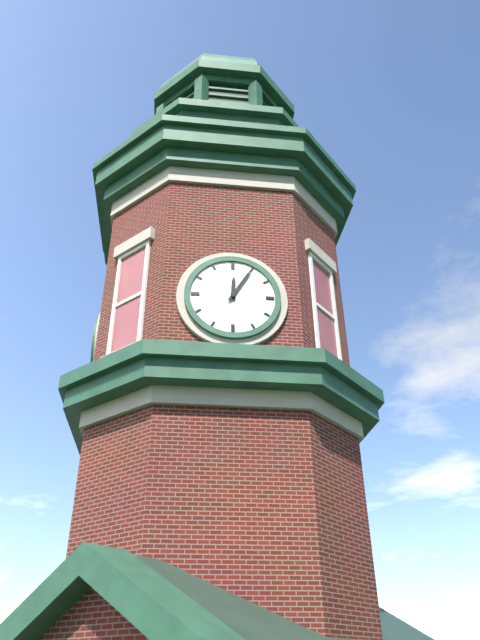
{"hour": 12, "minute": 5}
